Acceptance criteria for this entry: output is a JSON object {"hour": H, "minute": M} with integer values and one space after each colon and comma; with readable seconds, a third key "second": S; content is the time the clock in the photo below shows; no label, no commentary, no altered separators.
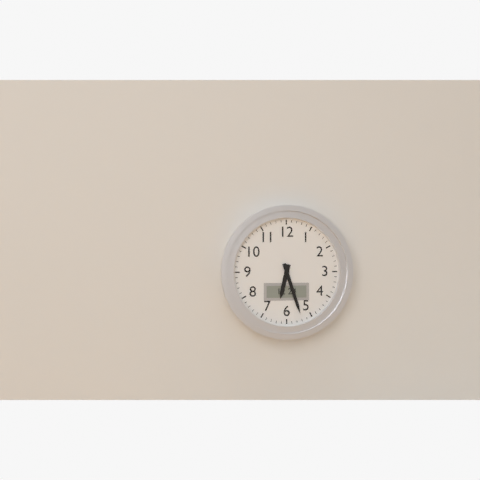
{"hour": 6, "minute": 27}
